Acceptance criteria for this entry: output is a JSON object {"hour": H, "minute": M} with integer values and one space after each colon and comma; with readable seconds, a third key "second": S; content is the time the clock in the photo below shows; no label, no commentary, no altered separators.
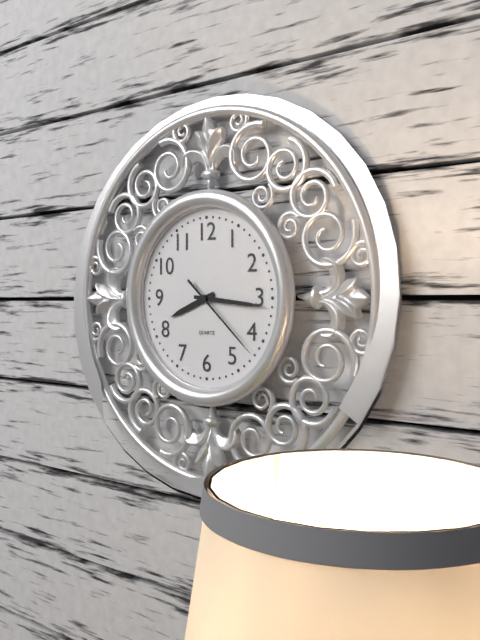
{"hour": 8, "minute": 16, "second": 22}
